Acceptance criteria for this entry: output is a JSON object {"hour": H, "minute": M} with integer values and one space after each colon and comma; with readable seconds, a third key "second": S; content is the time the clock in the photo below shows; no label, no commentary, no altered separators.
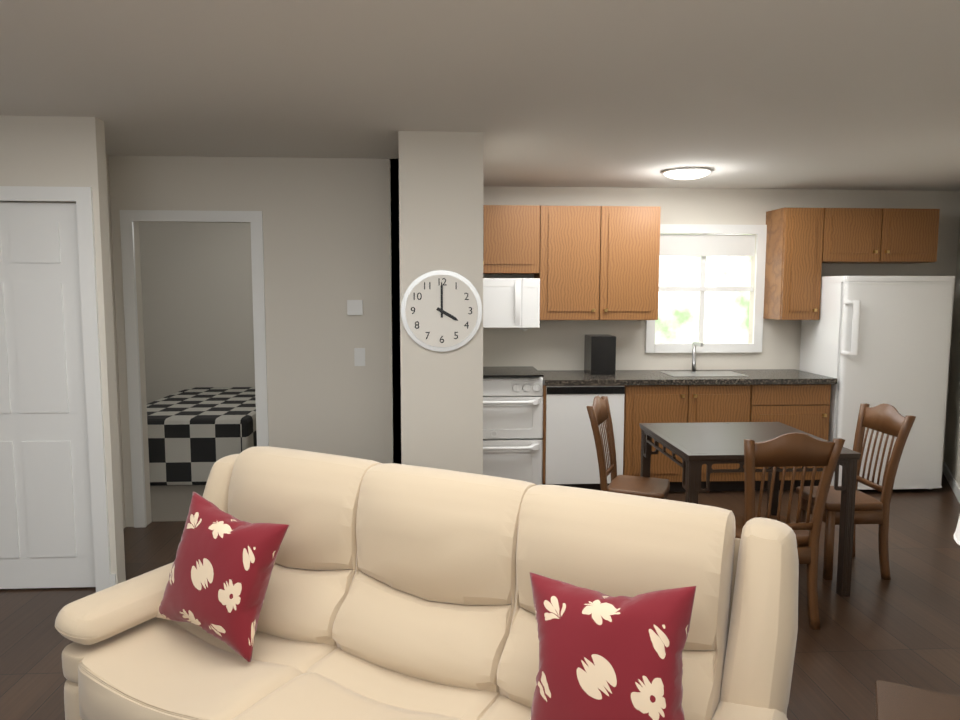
{"hour": 4, "minute": 0}
